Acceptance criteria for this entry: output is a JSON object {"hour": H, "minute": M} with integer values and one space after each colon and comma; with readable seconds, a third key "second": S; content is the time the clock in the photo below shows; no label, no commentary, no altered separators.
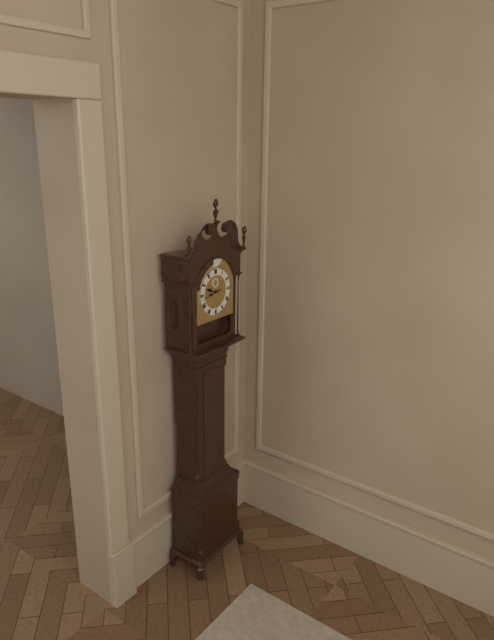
{"hour": 9, "minute": 43}
